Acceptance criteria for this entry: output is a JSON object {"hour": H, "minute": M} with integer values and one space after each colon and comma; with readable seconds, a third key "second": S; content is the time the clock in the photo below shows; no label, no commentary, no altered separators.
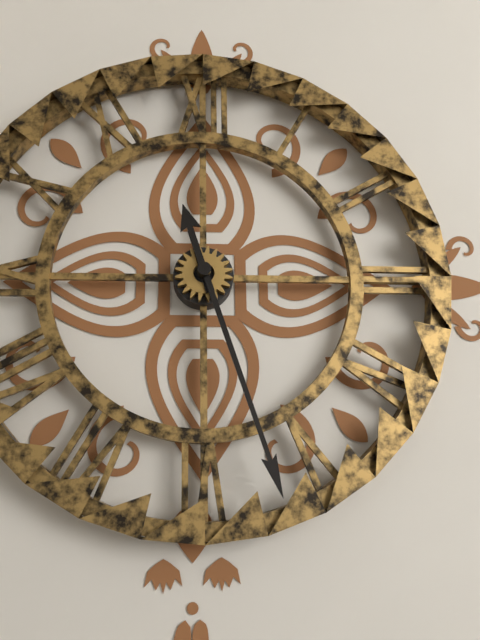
{"hour": 11, "minute": 27}
